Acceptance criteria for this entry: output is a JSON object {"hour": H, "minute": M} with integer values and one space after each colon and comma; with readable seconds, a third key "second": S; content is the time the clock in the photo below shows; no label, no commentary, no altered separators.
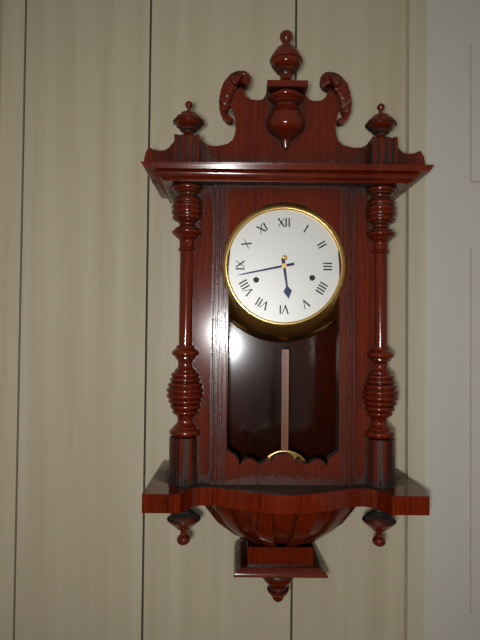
{"hour": 5, "minute": 43}
